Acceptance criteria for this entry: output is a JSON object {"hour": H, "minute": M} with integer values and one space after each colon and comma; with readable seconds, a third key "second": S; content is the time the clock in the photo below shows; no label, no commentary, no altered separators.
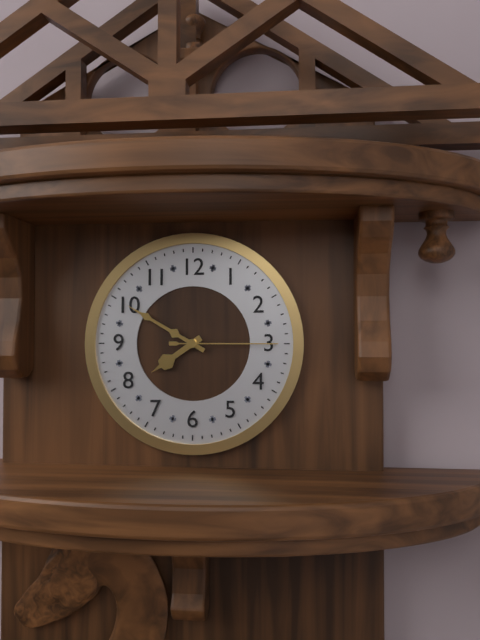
{"hour": 7, "minute": 50, "second": 15}
